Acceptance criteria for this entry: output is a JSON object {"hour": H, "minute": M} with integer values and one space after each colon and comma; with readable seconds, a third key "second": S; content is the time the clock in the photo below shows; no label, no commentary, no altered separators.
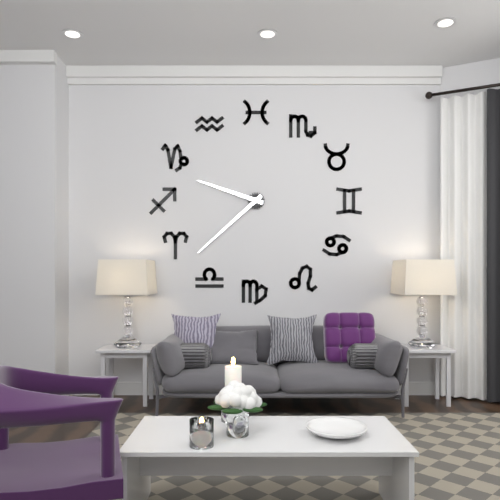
{"hour": 9, "minute": 38}
